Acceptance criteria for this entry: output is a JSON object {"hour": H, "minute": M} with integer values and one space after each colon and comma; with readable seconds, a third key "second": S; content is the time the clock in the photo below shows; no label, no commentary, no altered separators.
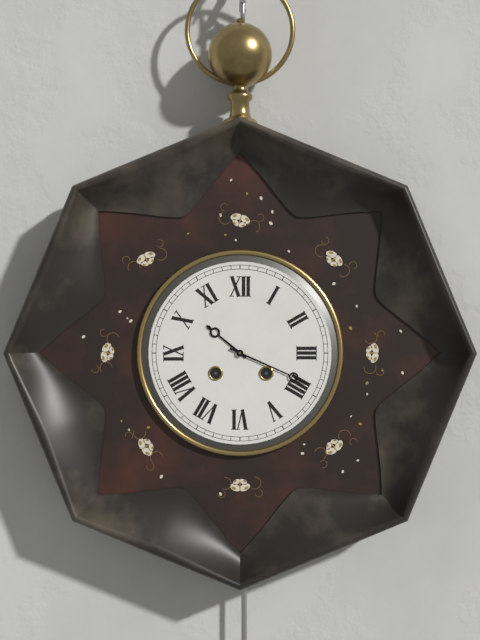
{"hour": 10, "minute": 19}
